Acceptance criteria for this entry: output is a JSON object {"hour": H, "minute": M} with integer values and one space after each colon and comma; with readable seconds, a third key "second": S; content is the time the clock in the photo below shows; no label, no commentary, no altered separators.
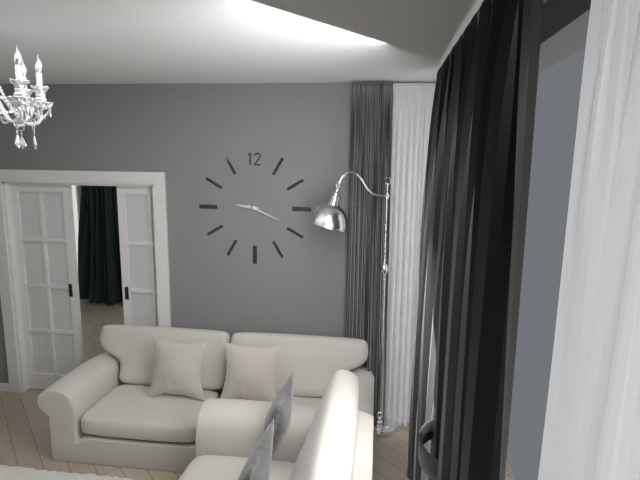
{"hour": 9, "minute": 19}
